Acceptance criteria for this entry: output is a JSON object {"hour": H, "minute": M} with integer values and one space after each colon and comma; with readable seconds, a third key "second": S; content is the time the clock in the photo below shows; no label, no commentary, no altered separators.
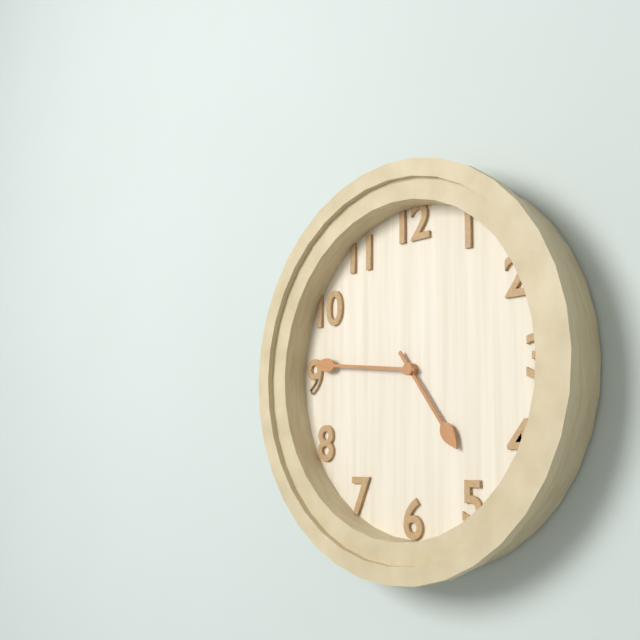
{"hour": 4, "minute": 46}
